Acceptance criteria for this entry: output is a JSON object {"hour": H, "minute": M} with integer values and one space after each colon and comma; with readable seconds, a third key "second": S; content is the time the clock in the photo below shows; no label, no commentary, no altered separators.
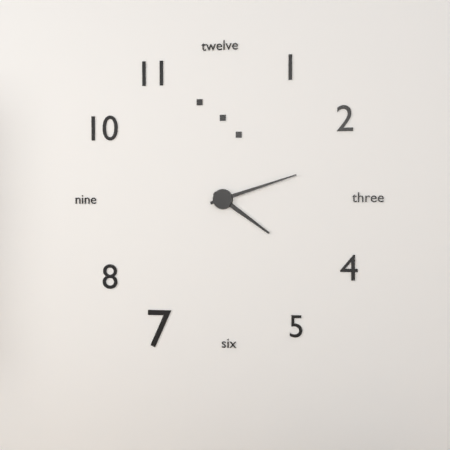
{"hour": 4, "minute": 12}
